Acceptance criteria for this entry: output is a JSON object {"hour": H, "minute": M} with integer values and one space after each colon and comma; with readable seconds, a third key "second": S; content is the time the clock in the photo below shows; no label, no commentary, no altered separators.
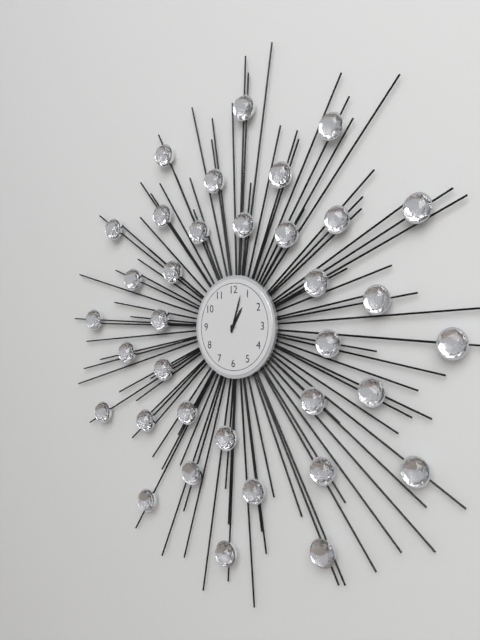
{"hour": 1, "minute": 3}
